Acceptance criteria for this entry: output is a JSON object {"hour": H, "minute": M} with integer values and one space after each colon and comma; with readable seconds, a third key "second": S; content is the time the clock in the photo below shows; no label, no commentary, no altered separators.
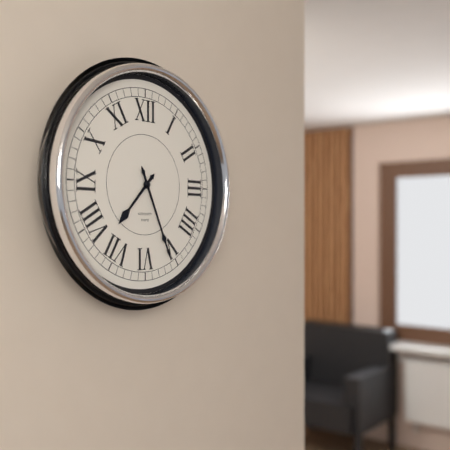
{"hour": 7, "minute": 26}
